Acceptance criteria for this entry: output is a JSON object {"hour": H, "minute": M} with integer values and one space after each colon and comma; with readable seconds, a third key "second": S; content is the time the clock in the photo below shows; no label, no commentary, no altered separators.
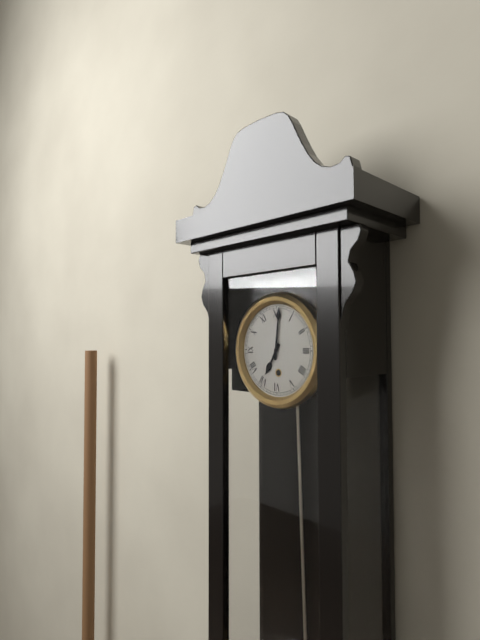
{"hour": 7, "minute": 1}
